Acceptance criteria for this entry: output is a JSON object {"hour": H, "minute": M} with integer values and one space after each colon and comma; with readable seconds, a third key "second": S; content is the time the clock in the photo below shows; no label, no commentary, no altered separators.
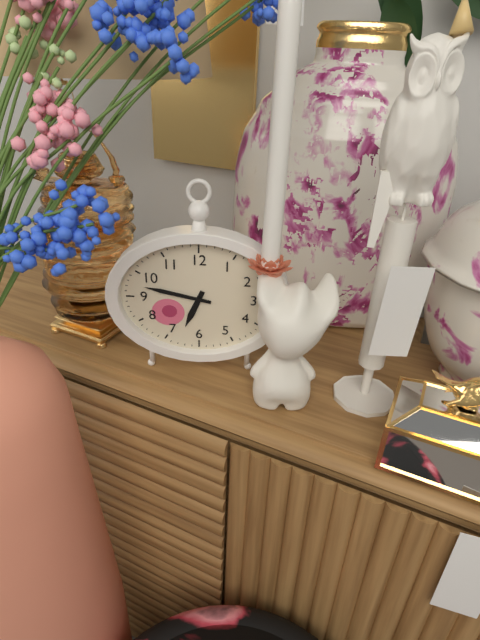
{"hour": 6, "minute": 47}
